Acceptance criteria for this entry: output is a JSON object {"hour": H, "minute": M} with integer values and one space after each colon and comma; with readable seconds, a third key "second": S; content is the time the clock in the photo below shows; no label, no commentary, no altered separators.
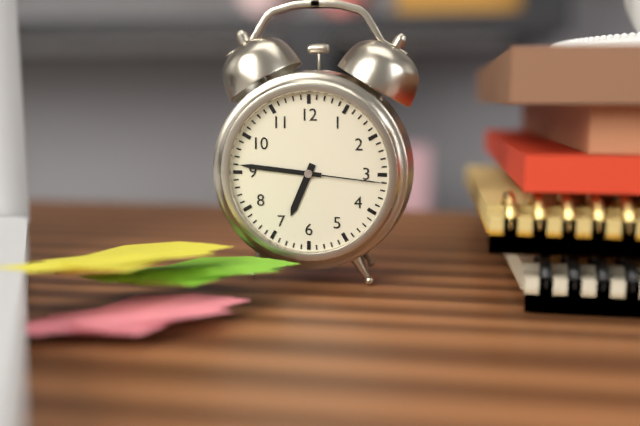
{"hour": 6, "minute": 46, "second": 16}
